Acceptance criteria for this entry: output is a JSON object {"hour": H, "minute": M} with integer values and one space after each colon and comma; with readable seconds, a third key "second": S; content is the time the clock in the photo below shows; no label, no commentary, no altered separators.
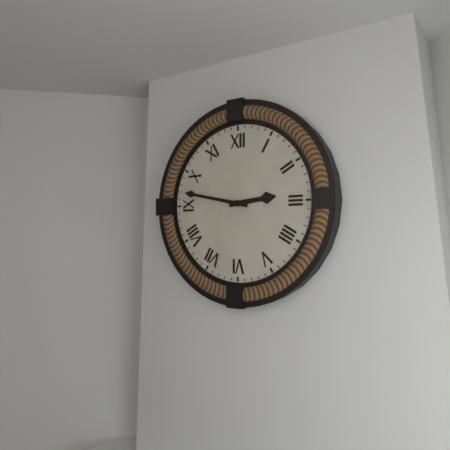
{"hour": 2, "minute": 47}
